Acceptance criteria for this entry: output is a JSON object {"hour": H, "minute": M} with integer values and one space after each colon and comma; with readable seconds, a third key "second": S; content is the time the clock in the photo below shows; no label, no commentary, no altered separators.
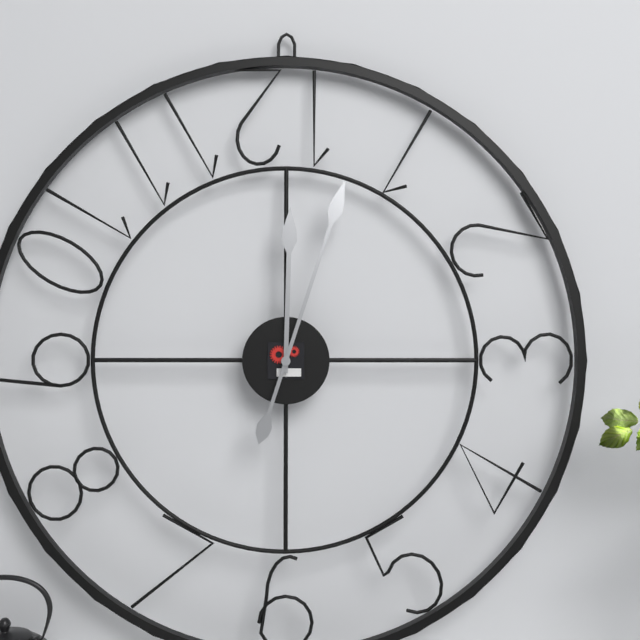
{"hour": 12, "minute": 3}
